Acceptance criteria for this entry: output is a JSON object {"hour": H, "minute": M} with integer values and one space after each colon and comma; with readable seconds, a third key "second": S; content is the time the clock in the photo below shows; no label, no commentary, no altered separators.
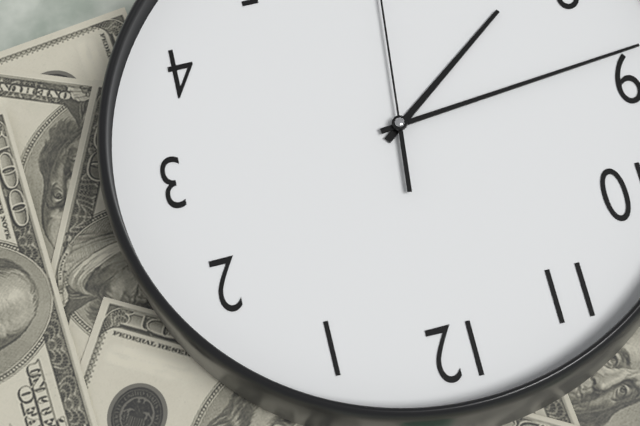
{"hour": 7, "minute": 44}
